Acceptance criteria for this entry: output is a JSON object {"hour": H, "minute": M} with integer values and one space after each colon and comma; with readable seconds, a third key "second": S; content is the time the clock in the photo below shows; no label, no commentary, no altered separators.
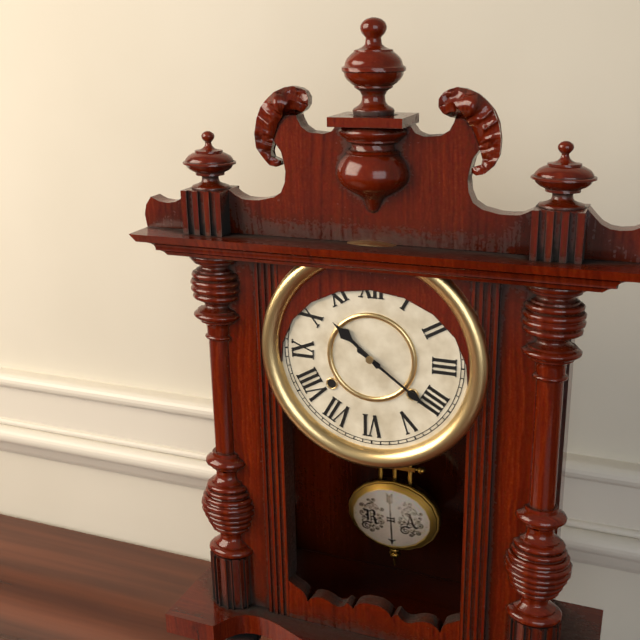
{"hour": 10, "minute": 21}
